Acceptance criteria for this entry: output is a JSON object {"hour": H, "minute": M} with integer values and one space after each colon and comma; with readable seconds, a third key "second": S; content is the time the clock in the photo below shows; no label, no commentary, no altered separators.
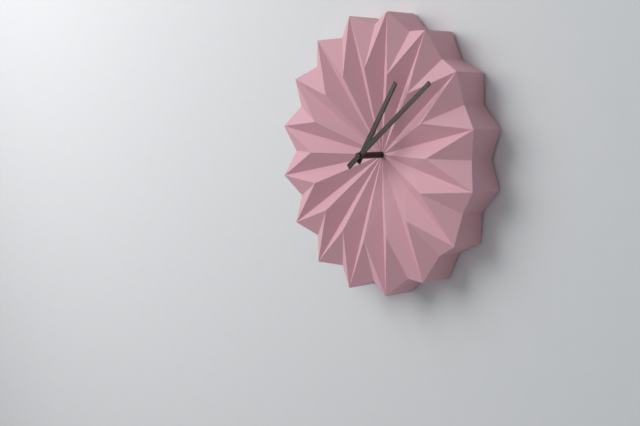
{"hour": 1, "minute": 9}
